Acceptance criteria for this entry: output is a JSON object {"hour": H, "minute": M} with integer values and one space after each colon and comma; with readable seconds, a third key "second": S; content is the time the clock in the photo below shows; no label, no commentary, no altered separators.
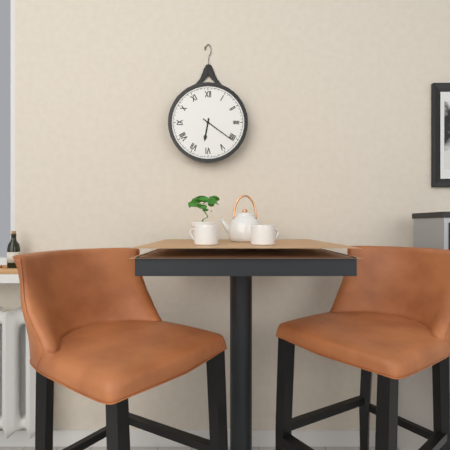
{"hour": 6, "minute": 21}
